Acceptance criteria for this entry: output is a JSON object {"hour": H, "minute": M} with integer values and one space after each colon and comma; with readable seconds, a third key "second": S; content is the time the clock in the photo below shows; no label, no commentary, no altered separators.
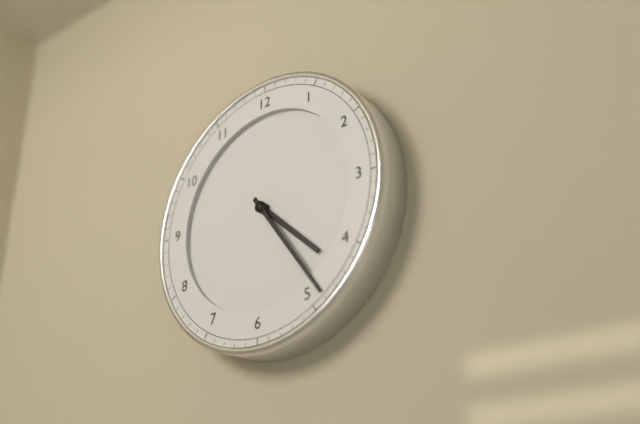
{"hour": 4, "minute": 24}
